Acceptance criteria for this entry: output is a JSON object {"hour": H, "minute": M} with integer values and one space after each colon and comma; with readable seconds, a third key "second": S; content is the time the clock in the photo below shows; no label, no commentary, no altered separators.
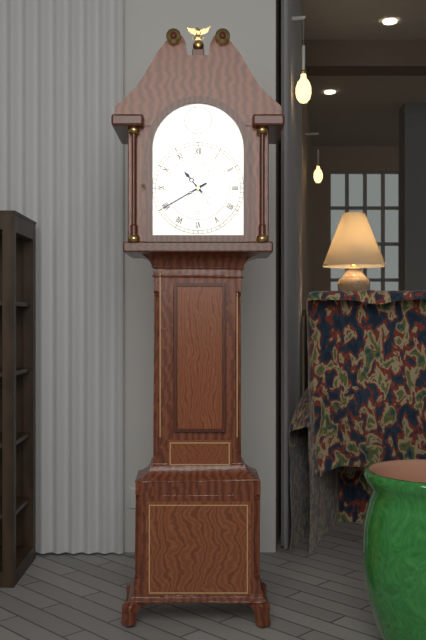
{"hour": 10, "minute": 40}
